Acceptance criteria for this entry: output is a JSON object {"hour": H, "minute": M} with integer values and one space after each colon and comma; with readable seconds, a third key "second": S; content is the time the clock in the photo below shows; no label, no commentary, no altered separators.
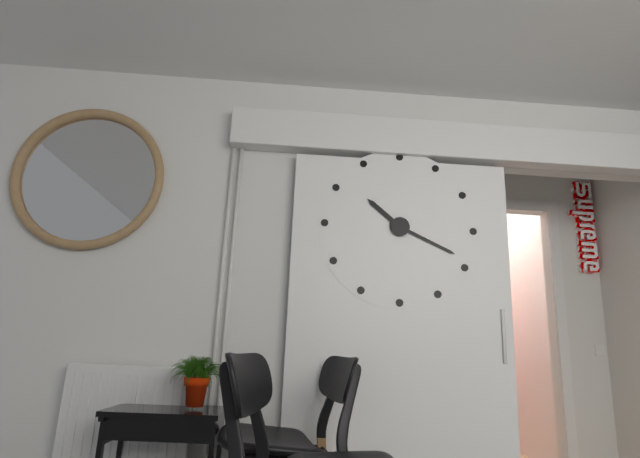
{"hour": 10, "minute": 19}
